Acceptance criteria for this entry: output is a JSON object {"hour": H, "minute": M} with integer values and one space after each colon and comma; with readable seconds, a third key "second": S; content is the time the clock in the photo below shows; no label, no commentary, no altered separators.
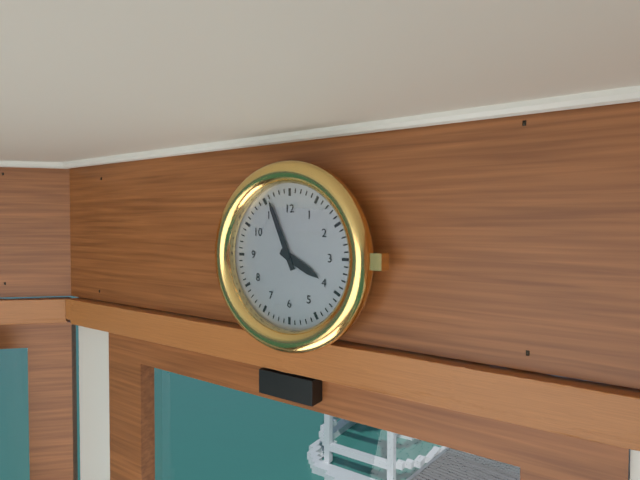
{"hour": 3, "minute": 56}
